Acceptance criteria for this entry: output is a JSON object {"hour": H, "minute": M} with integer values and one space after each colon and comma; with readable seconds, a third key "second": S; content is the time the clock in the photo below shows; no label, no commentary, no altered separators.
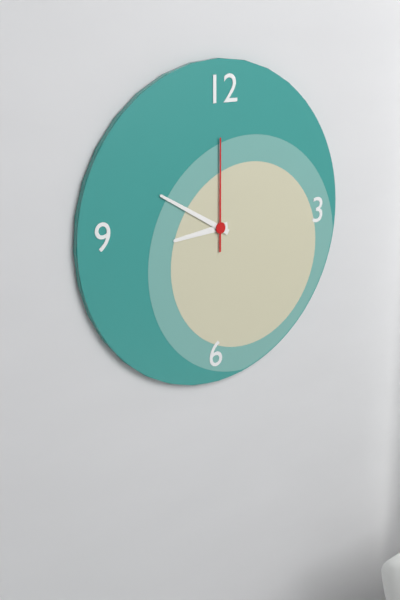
{"hour": 8, "minute": 50, "second": 0}
